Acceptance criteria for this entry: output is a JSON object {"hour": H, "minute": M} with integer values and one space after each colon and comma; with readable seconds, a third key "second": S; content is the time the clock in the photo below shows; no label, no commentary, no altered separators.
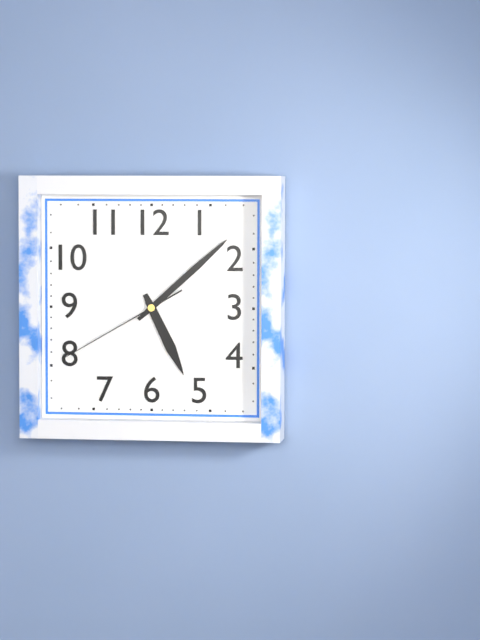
{"hour": 5, "minute": 8, "second": 40}
